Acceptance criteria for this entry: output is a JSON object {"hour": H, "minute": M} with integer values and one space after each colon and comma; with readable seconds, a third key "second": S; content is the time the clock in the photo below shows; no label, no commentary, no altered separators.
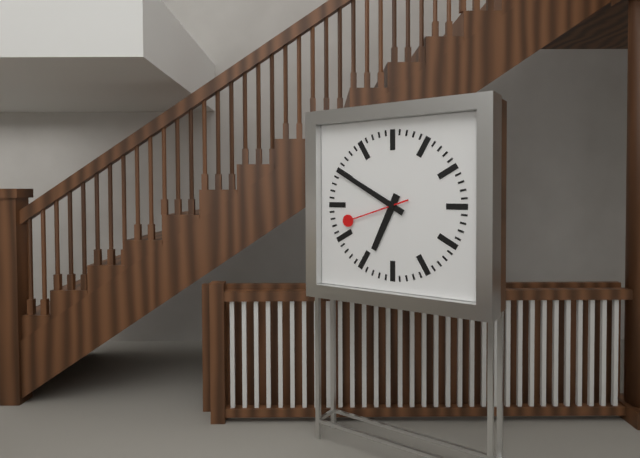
{"hour": 6, "minute": 50, "second": 42}
